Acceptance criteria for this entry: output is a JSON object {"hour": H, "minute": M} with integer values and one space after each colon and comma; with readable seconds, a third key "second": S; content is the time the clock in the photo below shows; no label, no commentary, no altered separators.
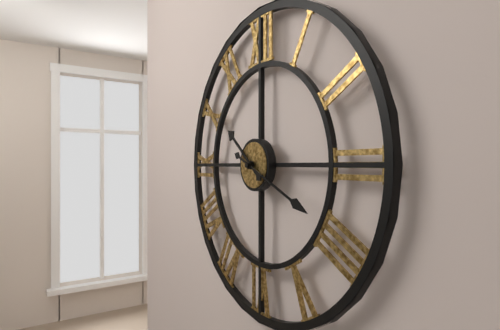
{"hour": 10, "minute": 19}
